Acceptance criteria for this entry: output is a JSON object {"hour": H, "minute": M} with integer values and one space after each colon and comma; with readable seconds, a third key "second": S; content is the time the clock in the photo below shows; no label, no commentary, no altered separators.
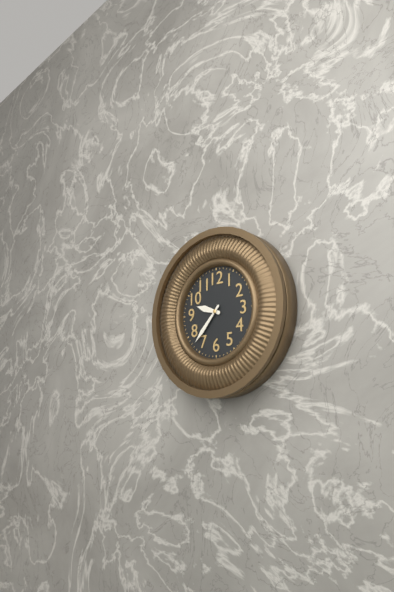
{"hour": 9, "minute": 37}
